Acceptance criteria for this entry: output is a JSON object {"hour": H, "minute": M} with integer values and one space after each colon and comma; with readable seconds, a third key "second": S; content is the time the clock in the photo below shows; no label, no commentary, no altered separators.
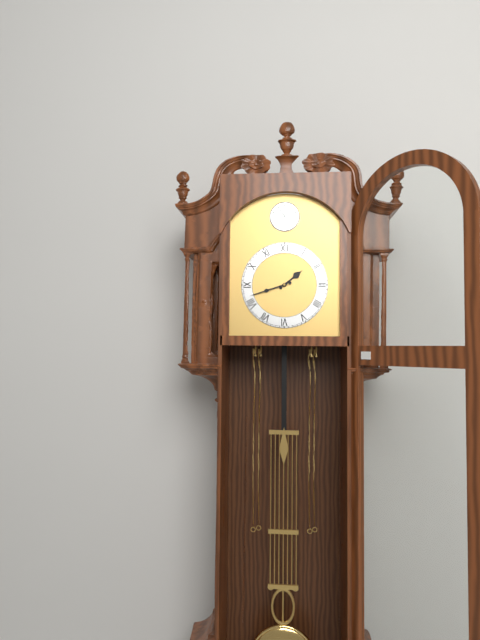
{"hour": 1, "minute": 42}
